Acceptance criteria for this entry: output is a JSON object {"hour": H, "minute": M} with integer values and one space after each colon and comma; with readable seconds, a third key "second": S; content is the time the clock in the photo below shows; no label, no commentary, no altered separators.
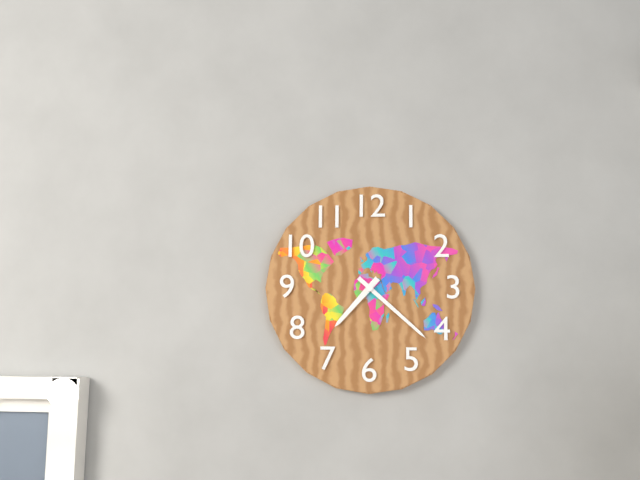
{"hour": 7, "minute": 22}
